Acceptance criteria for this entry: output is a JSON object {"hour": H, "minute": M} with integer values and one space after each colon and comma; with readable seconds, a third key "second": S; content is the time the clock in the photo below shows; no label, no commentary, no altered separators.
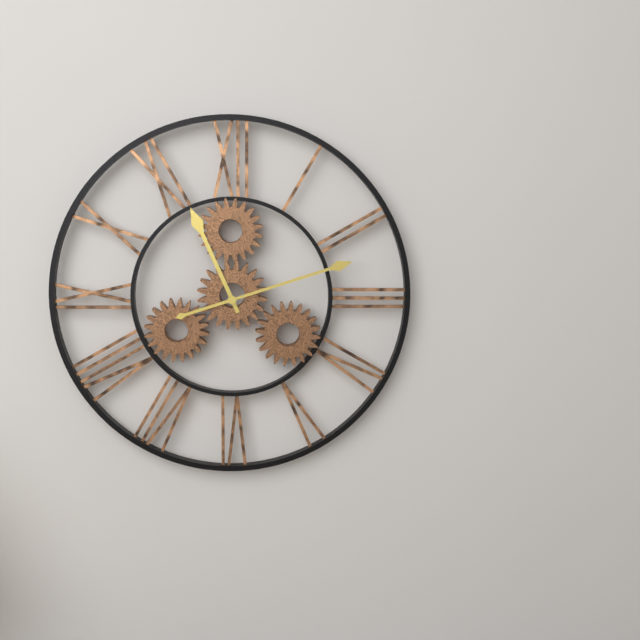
{"hour": 11, "minute": 12}
